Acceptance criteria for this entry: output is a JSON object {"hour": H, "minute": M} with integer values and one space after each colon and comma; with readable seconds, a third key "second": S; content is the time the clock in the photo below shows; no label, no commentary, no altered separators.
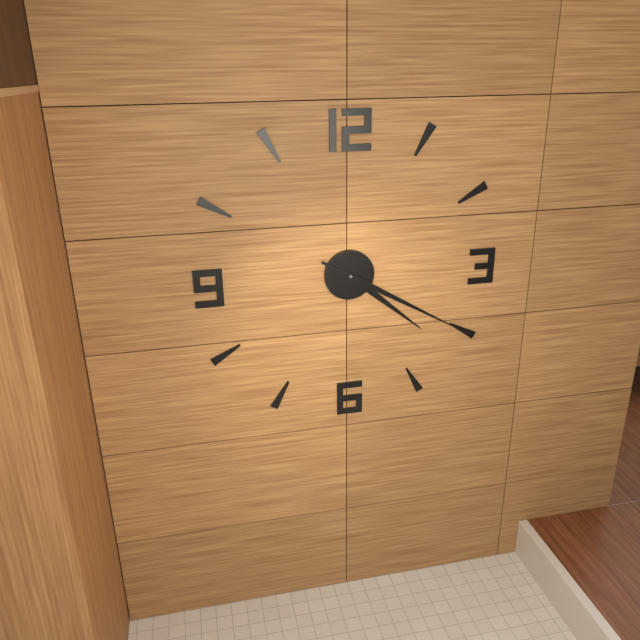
{"hour": 4, "minute": 20}
